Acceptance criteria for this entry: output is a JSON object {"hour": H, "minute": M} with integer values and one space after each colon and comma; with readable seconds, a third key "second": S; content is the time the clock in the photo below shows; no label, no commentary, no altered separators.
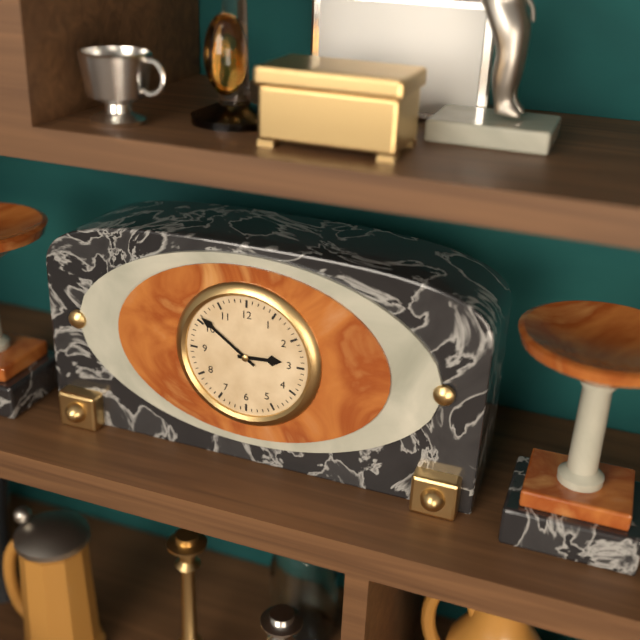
{"hour": 2, "minute": 51}
